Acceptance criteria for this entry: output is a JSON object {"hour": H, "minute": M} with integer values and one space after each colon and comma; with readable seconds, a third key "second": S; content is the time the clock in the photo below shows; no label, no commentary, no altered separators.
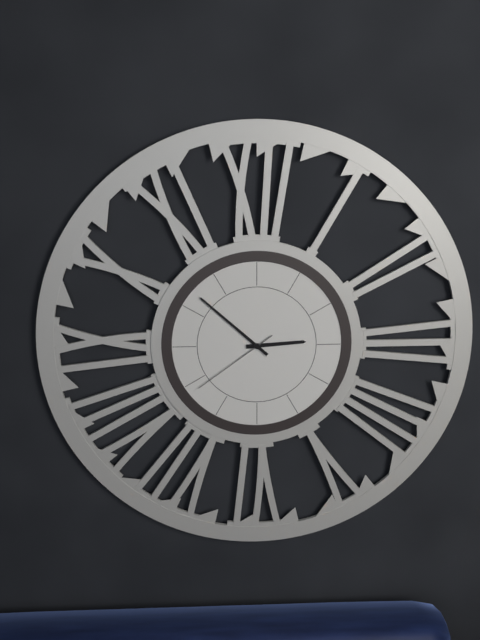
{"hour": 2, "minute": 52, "second": 39}
